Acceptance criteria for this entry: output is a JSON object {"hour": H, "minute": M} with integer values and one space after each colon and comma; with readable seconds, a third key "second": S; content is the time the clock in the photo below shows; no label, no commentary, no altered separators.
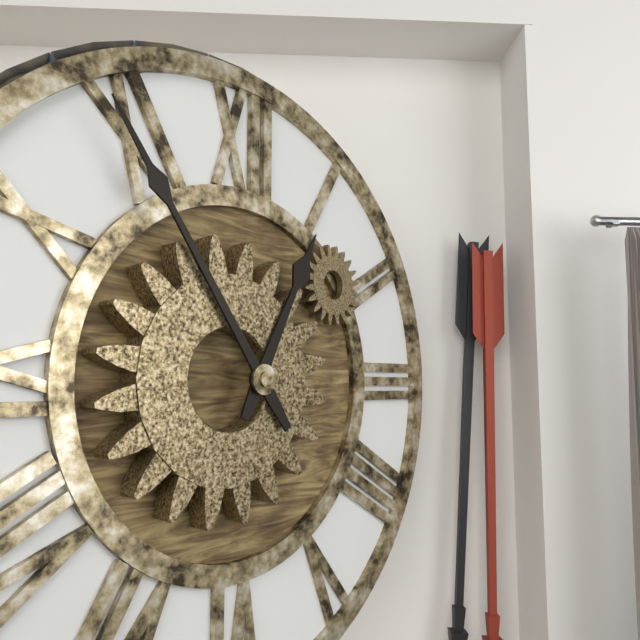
{"hour": 12, "minute": 54}
